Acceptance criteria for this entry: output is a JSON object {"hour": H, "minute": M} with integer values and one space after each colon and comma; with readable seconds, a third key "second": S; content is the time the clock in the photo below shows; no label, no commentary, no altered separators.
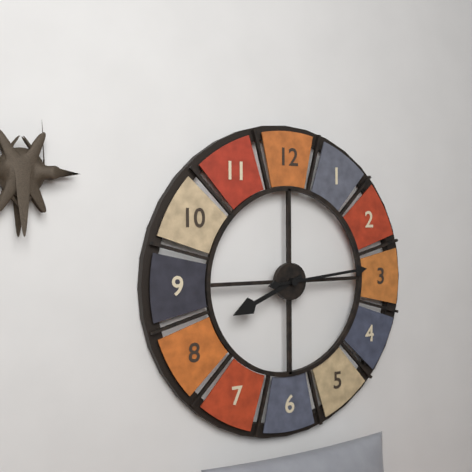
{"hour": 8, "minute": 14}
